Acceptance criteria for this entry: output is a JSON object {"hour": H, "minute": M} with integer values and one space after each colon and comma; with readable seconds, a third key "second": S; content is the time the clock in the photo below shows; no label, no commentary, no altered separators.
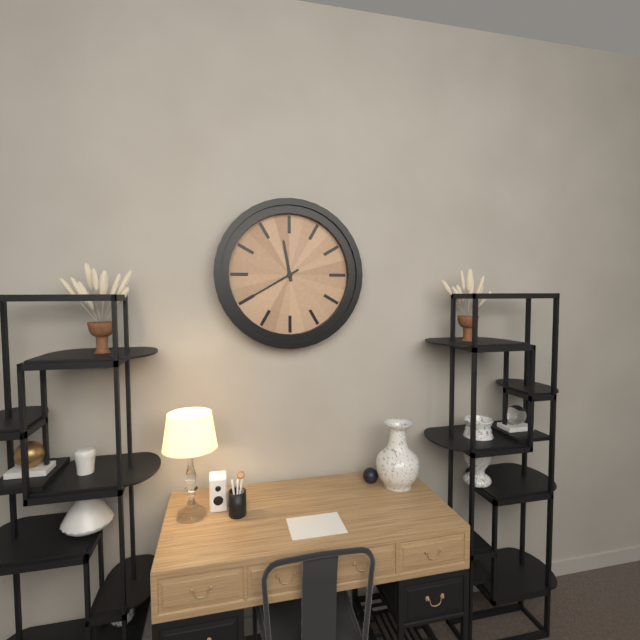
{"hour": 11, "minute": 40}
